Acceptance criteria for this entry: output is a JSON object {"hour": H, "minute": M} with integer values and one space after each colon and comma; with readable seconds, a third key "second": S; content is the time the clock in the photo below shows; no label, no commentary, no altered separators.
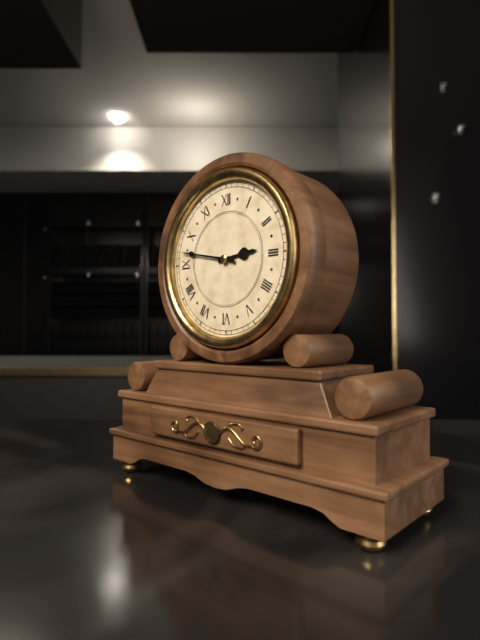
{"hour": 2, "minute": 47}
